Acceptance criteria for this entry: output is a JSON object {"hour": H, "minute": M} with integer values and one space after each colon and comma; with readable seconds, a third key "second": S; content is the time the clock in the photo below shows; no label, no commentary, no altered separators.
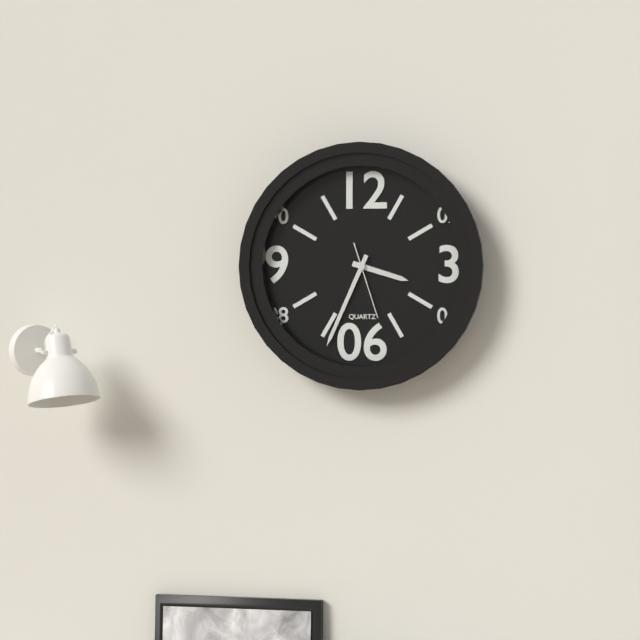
{"hour": 3, "minute": 34, "second": 27}
